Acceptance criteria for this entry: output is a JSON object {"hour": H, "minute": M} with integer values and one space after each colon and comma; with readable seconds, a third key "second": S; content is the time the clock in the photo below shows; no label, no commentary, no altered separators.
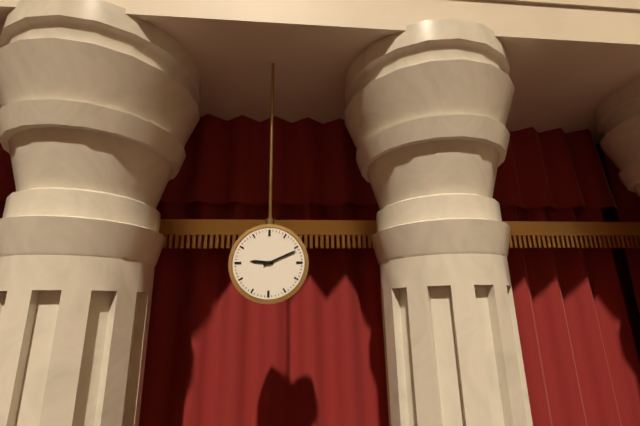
{"hour": 9, "minute": 11}
